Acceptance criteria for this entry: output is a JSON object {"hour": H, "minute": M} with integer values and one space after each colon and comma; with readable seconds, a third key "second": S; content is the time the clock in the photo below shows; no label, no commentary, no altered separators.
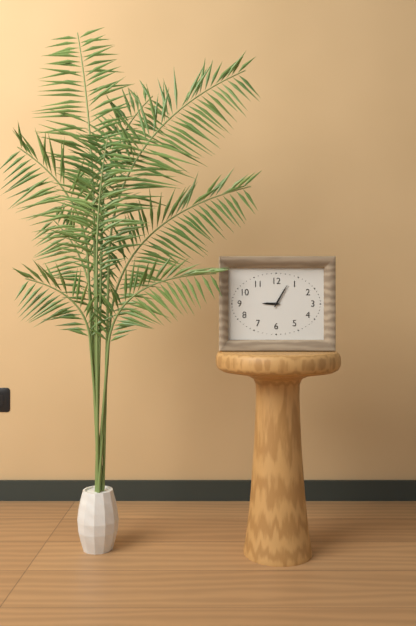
{"hour": 9, "minute": 5}
